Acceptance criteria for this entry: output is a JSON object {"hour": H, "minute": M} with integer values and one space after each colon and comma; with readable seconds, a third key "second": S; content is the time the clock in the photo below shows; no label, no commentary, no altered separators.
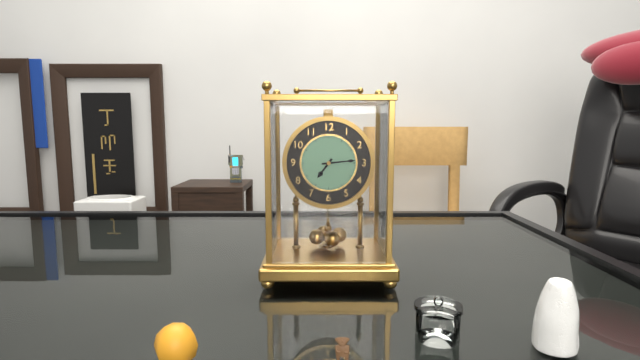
{"hour": 7, "minute": 14}
